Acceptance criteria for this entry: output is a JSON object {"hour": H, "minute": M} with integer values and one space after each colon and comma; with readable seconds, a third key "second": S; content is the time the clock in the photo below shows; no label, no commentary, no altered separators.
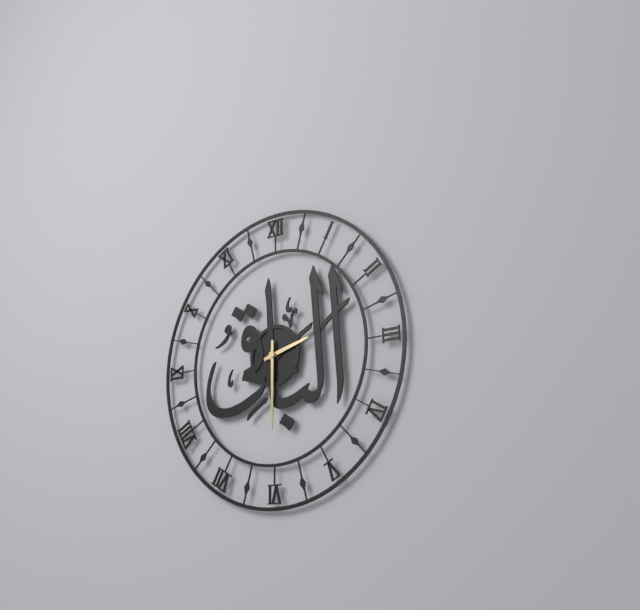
{"hour": 2, "minute": 30}
